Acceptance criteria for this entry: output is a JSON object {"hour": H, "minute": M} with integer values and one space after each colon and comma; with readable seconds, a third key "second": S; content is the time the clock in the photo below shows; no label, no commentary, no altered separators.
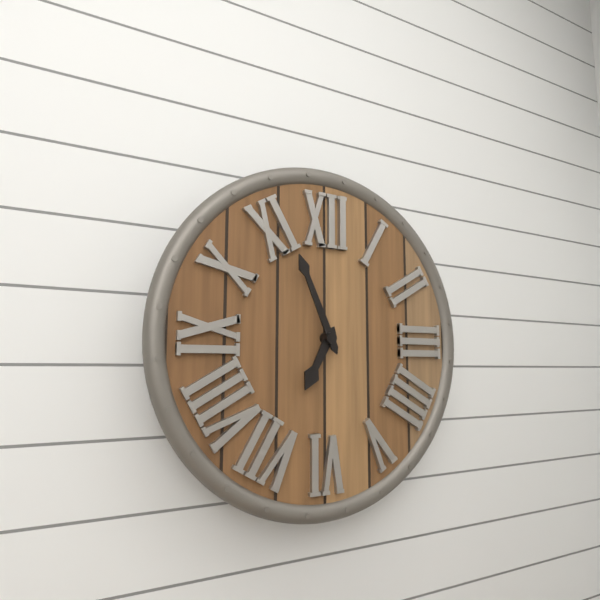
{"hour": 6, "minute": 56}
